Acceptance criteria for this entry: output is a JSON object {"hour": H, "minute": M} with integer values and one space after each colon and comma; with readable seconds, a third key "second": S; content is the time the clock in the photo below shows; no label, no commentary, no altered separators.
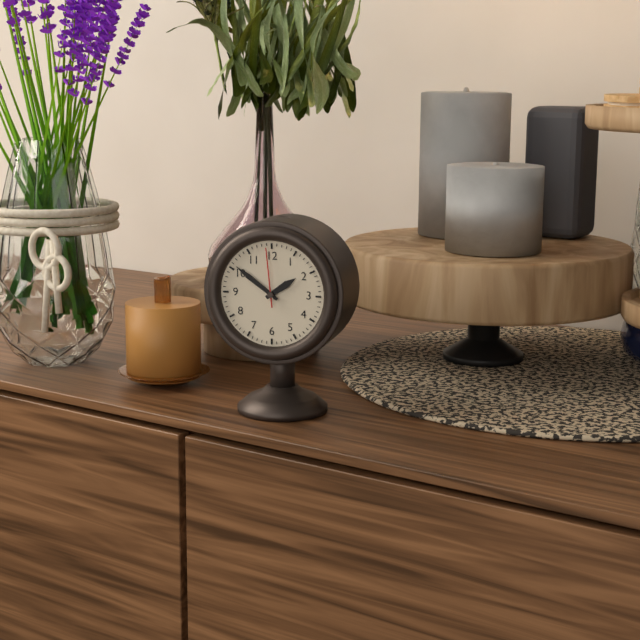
{"hour": 1, "minute": 51, "second": 59}
